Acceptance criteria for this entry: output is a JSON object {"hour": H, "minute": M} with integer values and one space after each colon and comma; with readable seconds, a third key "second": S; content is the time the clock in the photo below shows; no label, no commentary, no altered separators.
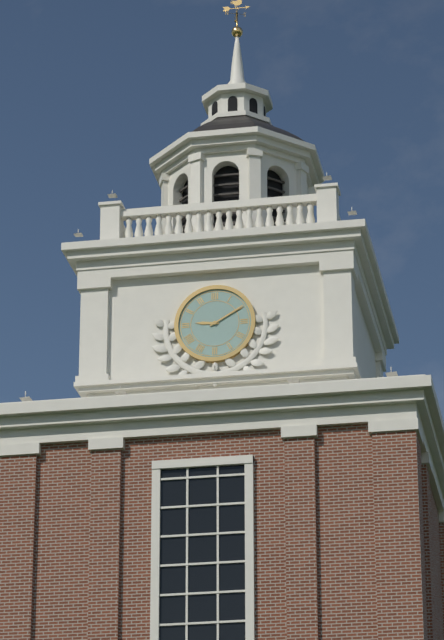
{"hour": 9, "minute": 10}
